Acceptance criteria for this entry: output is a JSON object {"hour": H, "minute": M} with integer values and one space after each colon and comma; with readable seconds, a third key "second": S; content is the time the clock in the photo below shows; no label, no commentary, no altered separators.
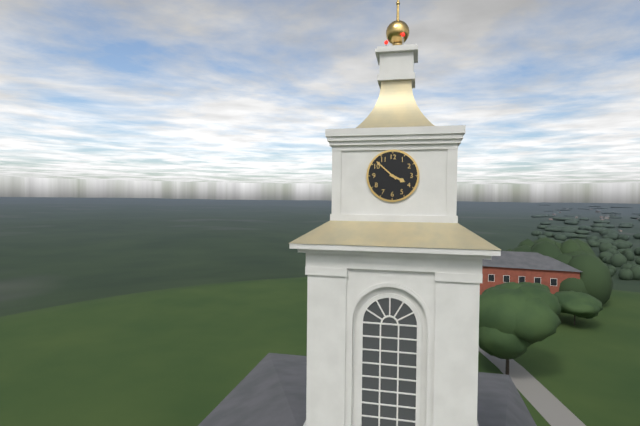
{"hour": 3, "minute": 52}
